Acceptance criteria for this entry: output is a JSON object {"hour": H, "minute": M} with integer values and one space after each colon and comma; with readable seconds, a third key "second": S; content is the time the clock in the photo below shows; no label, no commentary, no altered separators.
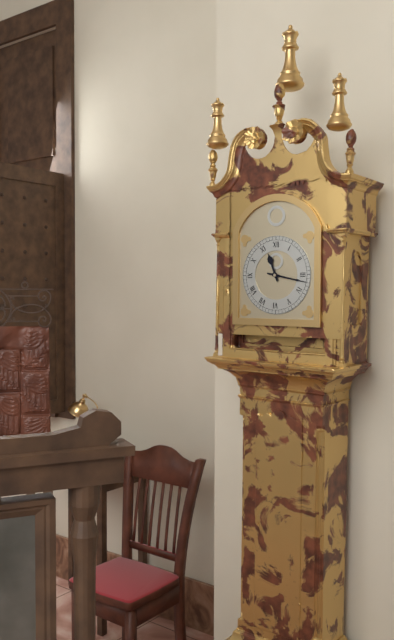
{"hour": 11, "minute": 17}
